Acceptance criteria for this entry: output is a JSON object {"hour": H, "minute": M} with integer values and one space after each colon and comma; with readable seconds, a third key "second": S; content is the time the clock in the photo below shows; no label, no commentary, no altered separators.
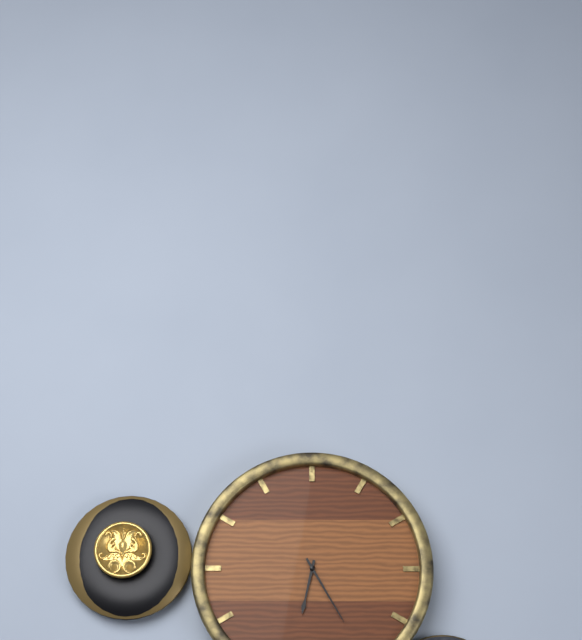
{"hour": 6, "minute": 25}
